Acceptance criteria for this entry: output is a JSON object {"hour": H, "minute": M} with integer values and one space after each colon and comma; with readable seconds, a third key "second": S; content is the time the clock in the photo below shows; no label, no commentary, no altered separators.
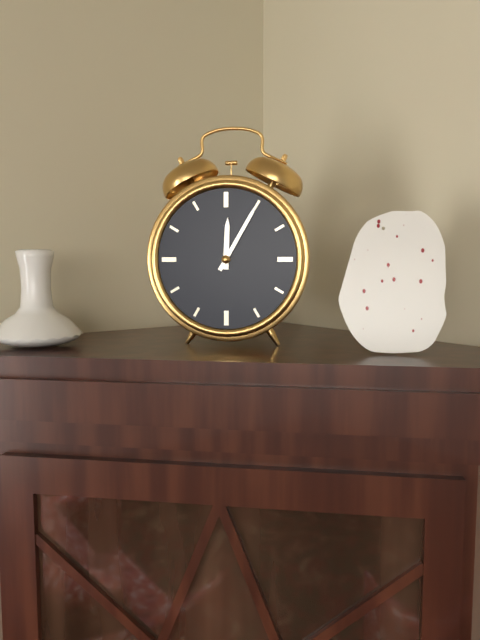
{"hour": 12, "minute": 5}
